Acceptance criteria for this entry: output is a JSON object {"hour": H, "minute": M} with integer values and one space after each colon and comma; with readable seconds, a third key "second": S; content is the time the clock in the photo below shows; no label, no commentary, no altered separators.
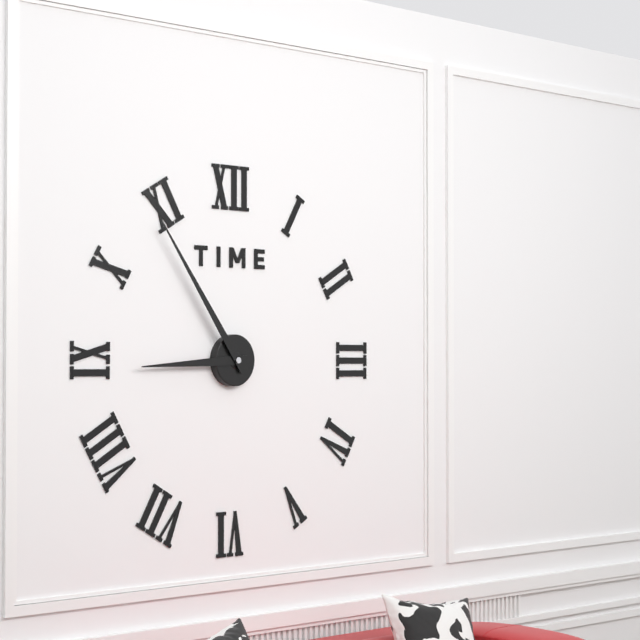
{"hour": 8, "minute": 54}
